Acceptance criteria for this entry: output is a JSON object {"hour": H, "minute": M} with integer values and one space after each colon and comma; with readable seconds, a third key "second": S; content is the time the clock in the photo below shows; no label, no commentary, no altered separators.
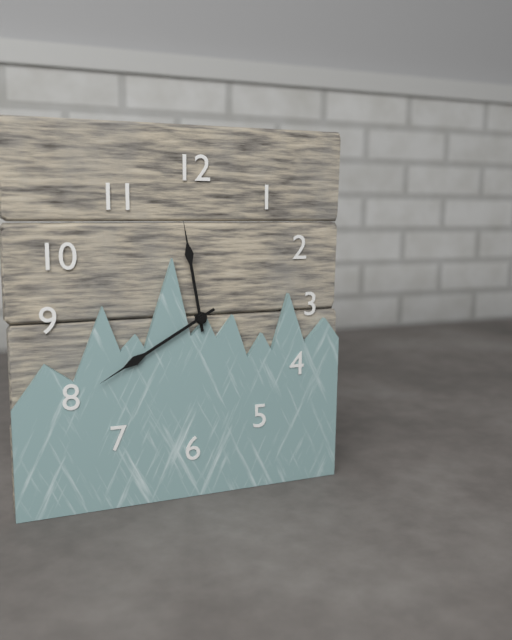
{"hour": 11, "minute": 40}
